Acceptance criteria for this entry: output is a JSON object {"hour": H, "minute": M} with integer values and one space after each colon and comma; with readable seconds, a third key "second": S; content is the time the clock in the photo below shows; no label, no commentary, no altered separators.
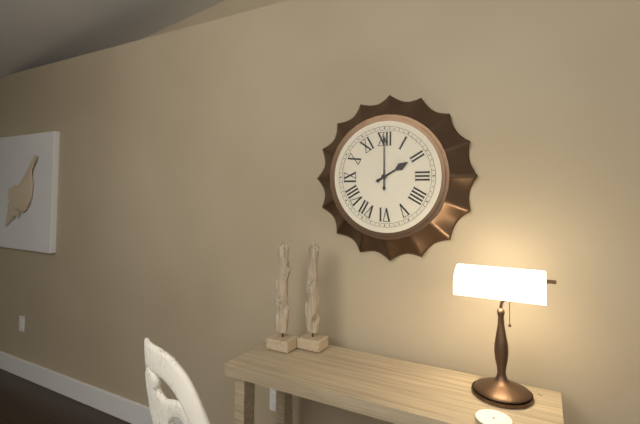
{"hour": 2, "minute": 0}
